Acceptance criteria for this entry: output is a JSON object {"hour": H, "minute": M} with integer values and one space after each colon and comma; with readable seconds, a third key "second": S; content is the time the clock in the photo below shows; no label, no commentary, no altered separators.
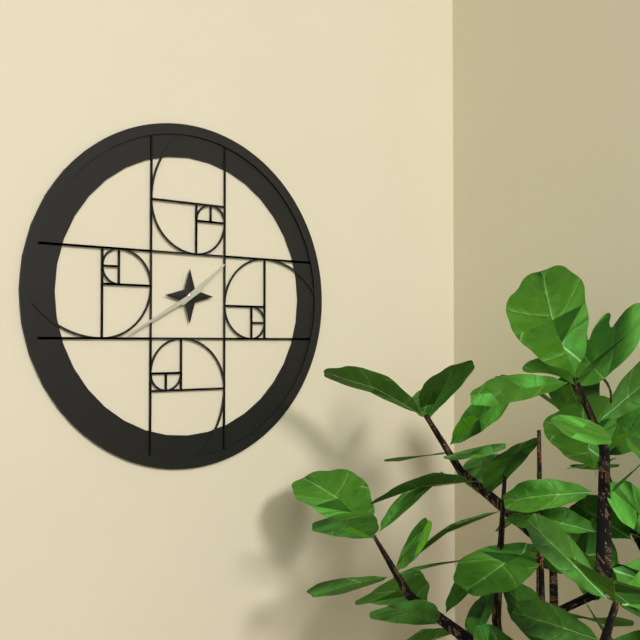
{"hour": 1, "minute": 40}
